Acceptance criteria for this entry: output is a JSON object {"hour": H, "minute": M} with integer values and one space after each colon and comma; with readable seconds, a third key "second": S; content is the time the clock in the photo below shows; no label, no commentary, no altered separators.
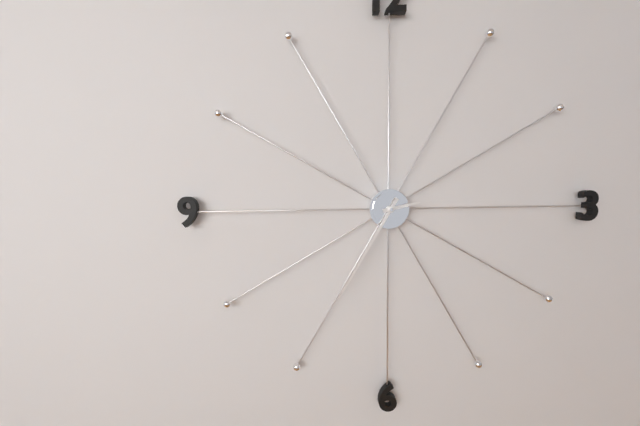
{"hour": 2, "minute": 35}
